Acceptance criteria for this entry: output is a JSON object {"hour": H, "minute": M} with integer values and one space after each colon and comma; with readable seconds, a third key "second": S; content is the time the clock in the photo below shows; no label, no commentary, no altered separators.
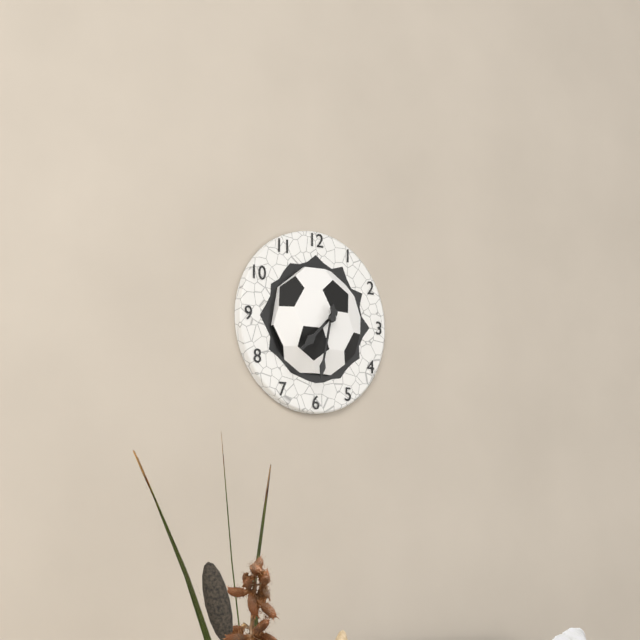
{"hour": 7, "minute": 32}
